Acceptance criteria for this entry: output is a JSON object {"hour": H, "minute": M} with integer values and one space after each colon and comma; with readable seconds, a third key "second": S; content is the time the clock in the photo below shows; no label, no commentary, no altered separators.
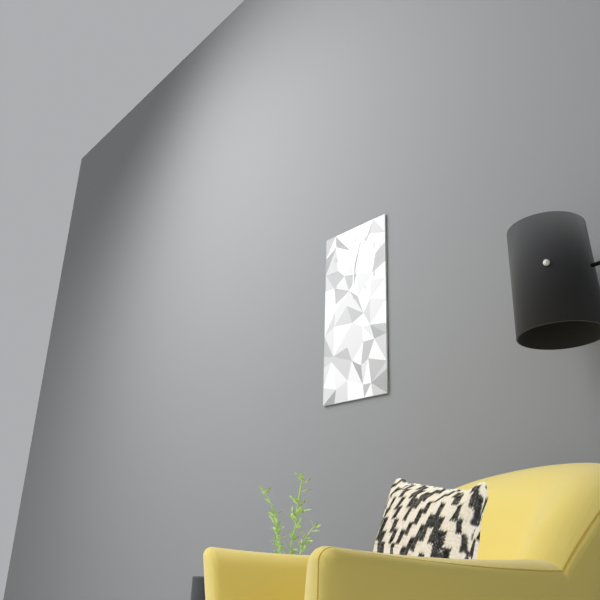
{"hour": 6, "minute": 3}
